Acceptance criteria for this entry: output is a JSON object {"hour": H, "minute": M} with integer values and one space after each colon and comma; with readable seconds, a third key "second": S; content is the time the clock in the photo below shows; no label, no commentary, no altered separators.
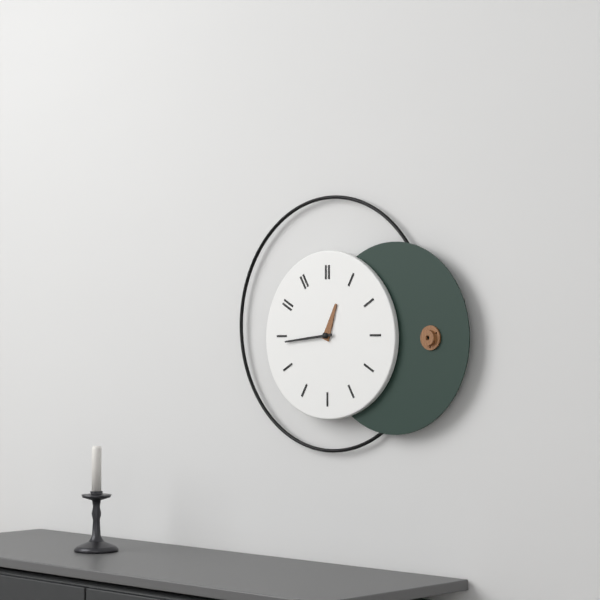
{"hour": 12, "minute": 44}
